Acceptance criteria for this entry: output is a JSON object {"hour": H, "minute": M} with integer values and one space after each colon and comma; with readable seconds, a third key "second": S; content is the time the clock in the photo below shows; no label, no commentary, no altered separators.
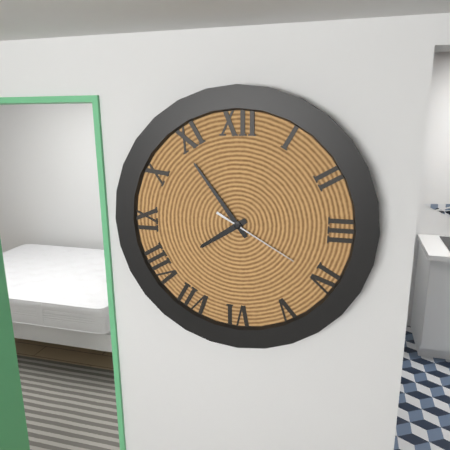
{"hour": 7, "minute": 54, "second": 20}
